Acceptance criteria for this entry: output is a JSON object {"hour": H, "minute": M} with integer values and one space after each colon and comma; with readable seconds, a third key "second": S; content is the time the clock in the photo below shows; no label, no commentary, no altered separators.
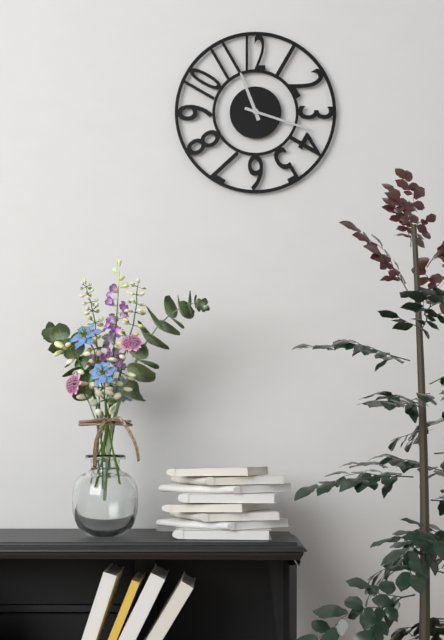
{"hour": 11, "minute": 18}
